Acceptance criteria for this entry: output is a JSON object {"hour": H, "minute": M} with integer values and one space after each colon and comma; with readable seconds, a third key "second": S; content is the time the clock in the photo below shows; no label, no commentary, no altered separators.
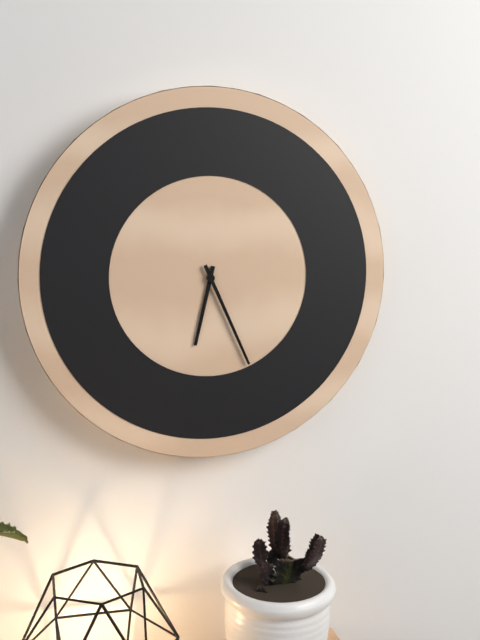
{"hour": 6, "minute": 26}
